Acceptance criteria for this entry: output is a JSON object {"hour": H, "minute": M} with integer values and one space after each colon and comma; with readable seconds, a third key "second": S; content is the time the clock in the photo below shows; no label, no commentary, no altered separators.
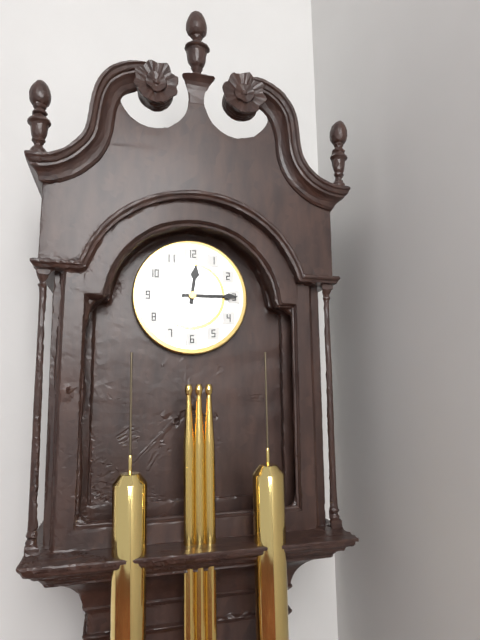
{"hour": 12, "minute": 15}
